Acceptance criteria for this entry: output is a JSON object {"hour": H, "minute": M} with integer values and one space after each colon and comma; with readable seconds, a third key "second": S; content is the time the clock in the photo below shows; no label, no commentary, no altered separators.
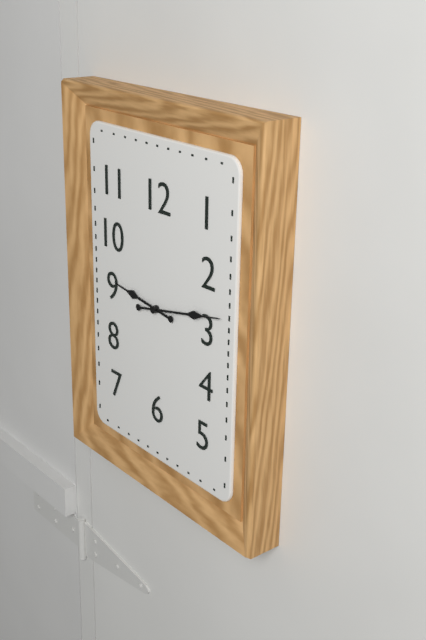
{"hour": 9, "minute": 13}
